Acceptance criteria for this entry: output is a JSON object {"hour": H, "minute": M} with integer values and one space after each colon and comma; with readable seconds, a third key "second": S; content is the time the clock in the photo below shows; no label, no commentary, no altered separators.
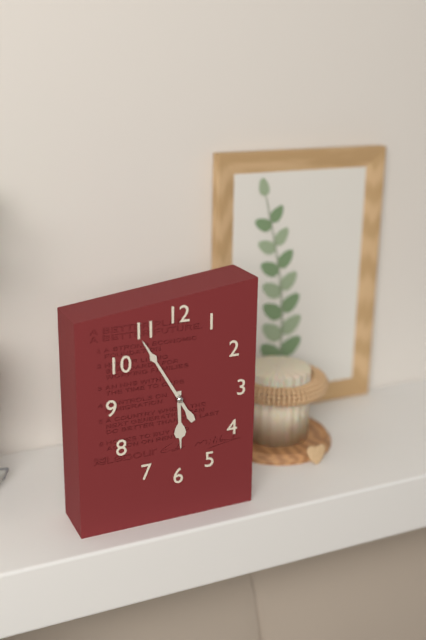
{"hour": 5, "minute": 55}
